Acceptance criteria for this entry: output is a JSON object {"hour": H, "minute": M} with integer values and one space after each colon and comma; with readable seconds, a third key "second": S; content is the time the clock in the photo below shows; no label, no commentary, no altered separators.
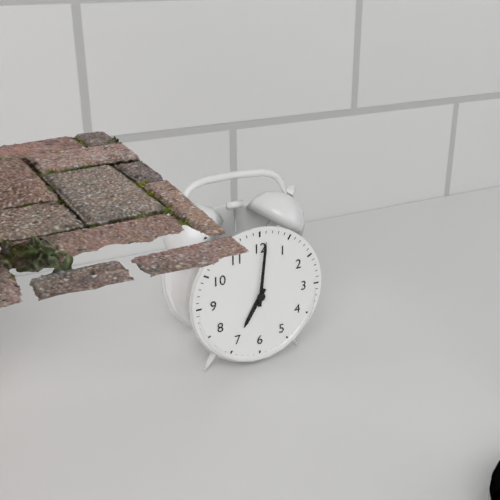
{"hour": 7, "minute": 1}
